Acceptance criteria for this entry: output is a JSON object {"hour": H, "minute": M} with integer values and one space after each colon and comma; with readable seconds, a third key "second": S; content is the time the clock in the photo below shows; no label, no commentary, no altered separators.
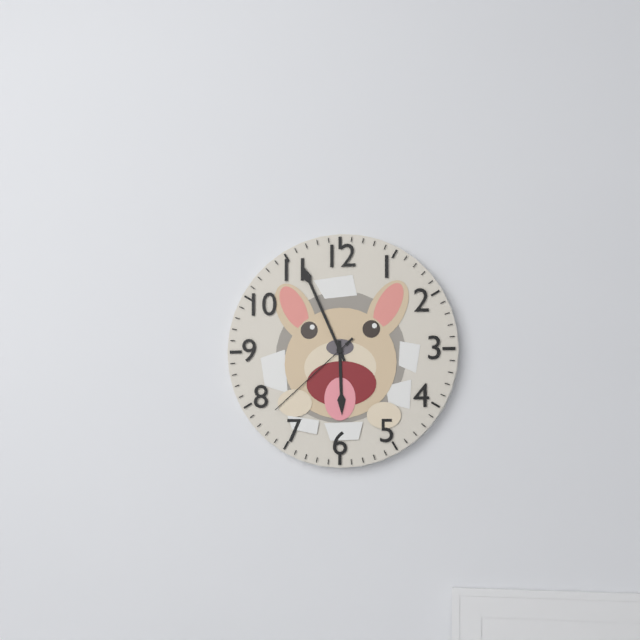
{"hour": 5, "minute": 56, "second": 38}
